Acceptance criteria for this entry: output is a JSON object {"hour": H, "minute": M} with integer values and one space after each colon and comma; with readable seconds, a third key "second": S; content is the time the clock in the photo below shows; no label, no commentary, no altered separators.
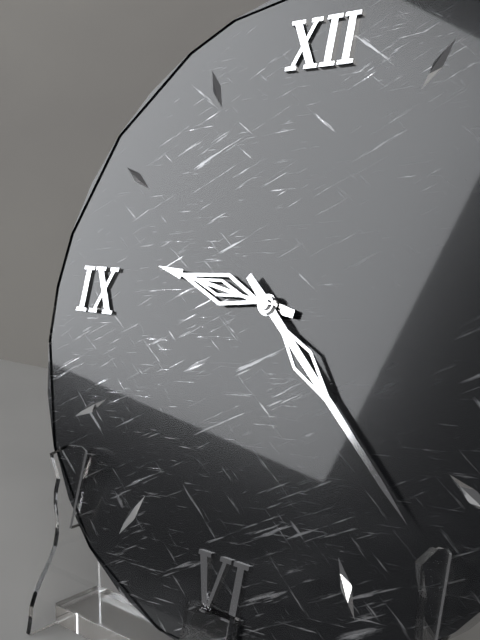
{"hour": 9, "minute": 22}
